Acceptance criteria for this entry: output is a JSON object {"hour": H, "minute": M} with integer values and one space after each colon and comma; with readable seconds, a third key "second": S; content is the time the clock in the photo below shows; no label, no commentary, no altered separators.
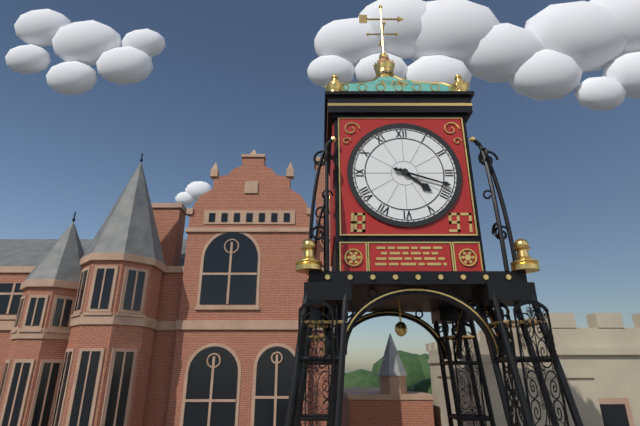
{"hour": 4, "minute": 18}
